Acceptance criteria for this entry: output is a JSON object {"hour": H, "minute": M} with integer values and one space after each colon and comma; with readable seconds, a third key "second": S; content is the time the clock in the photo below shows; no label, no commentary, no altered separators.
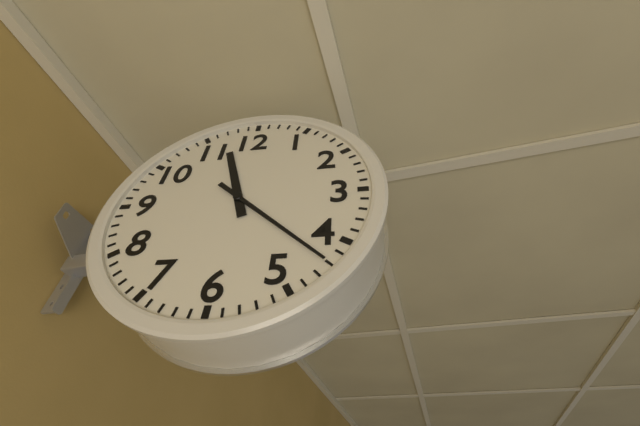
{"hour": 11, "minute": 22}
